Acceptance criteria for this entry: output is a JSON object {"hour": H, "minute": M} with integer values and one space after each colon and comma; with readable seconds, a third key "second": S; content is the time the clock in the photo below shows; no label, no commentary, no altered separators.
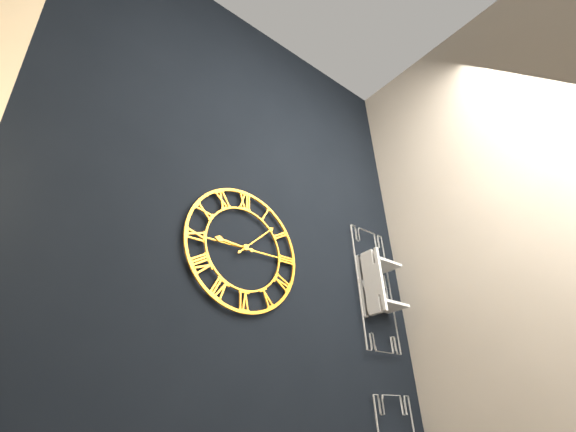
{"hour": 9, "minute": 8}
